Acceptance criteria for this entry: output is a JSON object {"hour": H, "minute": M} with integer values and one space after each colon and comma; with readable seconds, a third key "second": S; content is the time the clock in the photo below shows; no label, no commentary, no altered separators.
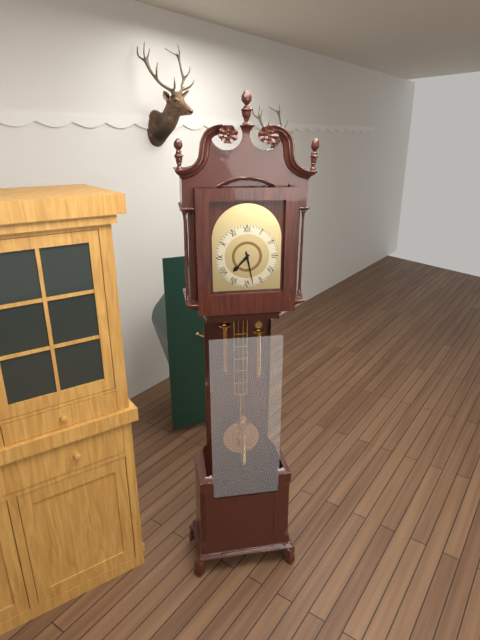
{"hour": 7, "minute": 28}
